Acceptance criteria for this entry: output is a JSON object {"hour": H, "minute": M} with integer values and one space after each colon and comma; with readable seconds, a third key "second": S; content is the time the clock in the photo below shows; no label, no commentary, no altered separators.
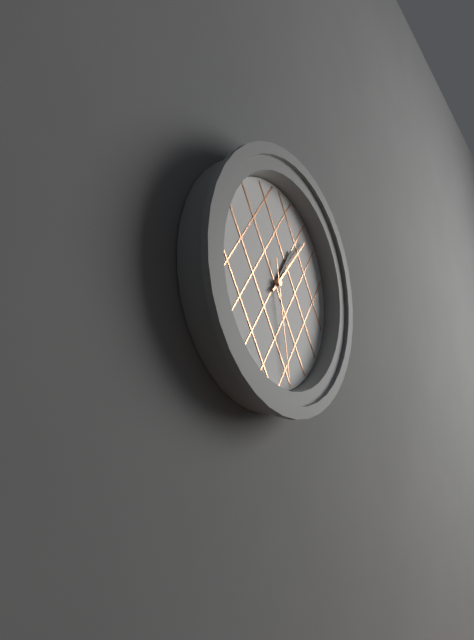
{"hour": 1, "minute": 7, "second": 28}
